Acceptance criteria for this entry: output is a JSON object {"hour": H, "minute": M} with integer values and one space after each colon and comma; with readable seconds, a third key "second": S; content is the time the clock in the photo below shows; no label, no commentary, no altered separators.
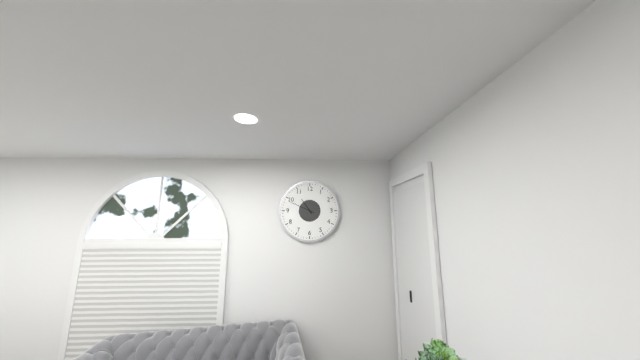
{"hour": 10, "minute": 49}
